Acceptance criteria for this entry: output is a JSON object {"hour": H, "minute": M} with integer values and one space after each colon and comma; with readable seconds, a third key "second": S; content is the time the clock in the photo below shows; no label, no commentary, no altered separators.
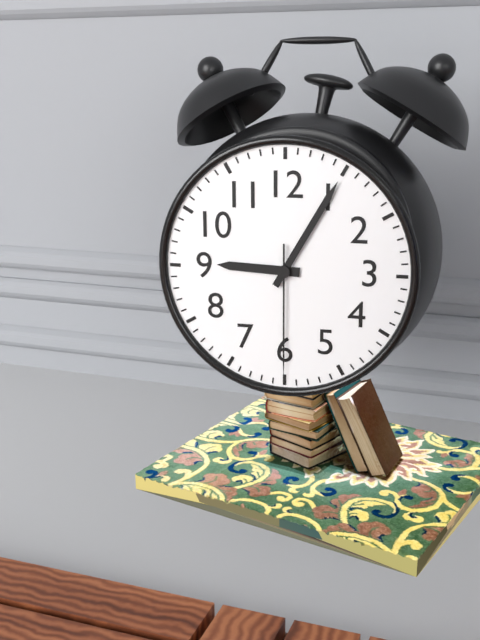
{"hour": 9, "minute": 5, "second": 30}
